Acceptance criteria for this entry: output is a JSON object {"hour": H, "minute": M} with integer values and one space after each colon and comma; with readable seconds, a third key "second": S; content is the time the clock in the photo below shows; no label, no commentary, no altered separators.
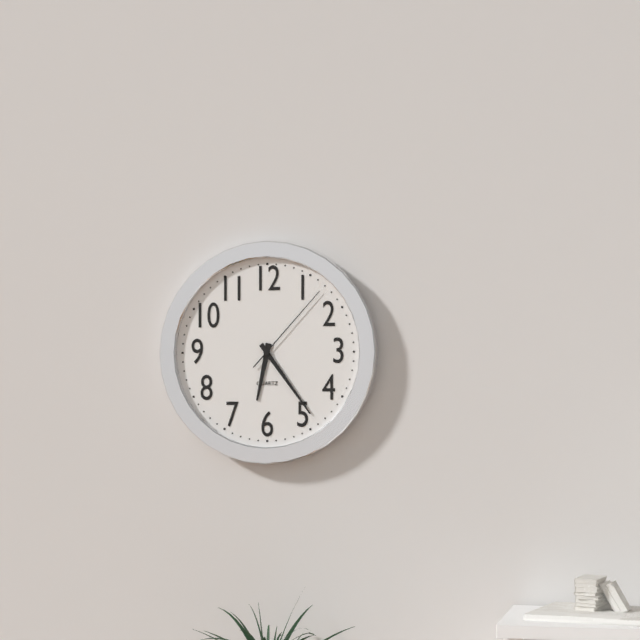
{"hour": 6, "minute": 24, "second": 7}
